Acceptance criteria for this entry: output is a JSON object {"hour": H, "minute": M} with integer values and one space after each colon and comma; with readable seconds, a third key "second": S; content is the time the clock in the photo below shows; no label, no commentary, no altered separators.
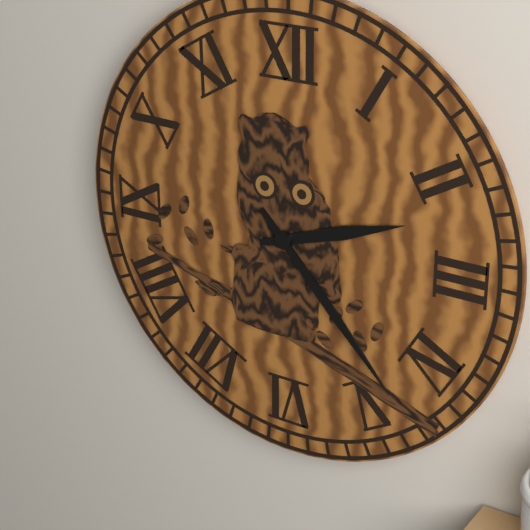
{"hour": 2, "minute": 23}
